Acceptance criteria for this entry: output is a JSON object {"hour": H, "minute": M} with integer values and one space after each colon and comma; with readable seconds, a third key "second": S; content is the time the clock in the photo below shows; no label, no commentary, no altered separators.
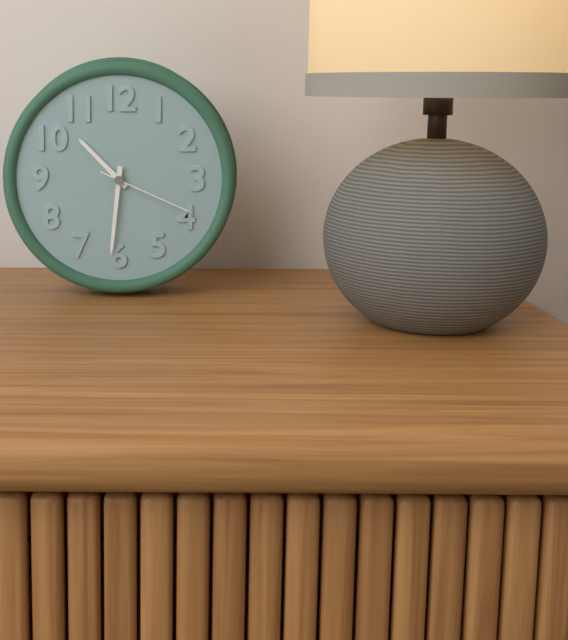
{"hour": 10, "minute": 31, "second": 19}
